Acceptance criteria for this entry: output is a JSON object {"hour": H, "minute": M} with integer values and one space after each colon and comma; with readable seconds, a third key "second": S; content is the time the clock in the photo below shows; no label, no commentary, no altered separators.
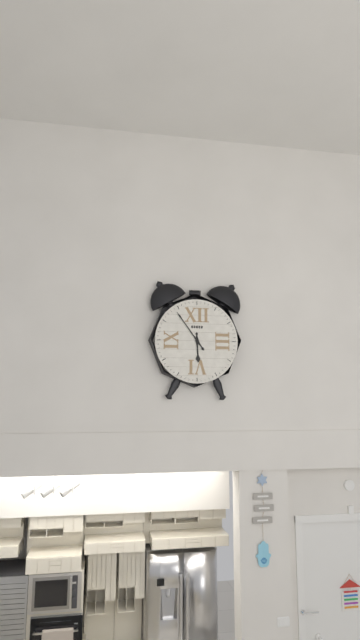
{"hour": 5, "minute": 54}
